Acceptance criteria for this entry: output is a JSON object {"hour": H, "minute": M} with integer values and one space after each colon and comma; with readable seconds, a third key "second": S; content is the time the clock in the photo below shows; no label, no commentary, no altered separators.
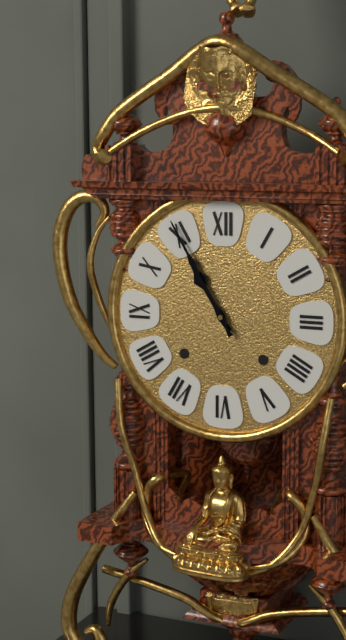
{"hour": 10, "minute": 55}
